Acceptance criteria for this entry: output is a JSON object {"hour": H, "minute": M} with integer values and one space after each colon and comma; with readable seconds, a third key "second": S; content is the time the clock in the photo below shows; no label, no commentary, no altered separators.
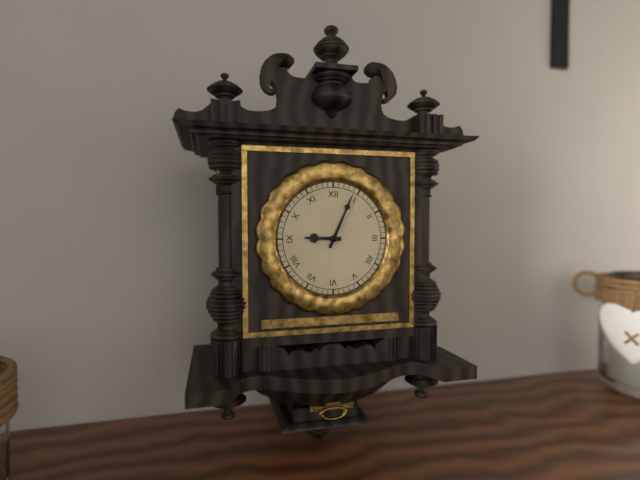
{"hour": 9, "minute": 4}
